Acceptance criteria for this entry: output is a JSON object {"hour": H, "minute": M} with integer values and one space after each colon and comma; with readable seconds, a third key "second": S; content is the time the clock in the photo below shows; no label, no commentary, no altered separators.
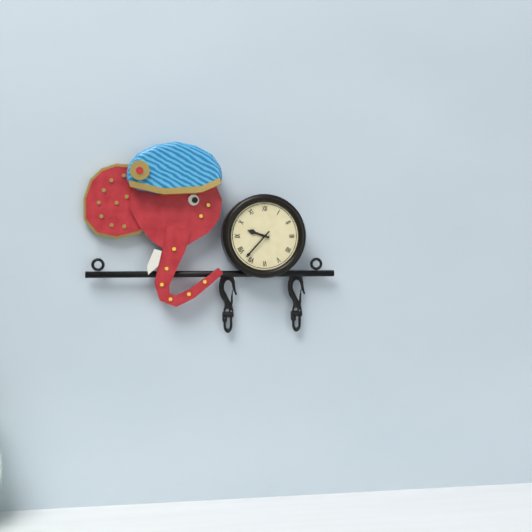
{"hour": 9, "minute": 37}
